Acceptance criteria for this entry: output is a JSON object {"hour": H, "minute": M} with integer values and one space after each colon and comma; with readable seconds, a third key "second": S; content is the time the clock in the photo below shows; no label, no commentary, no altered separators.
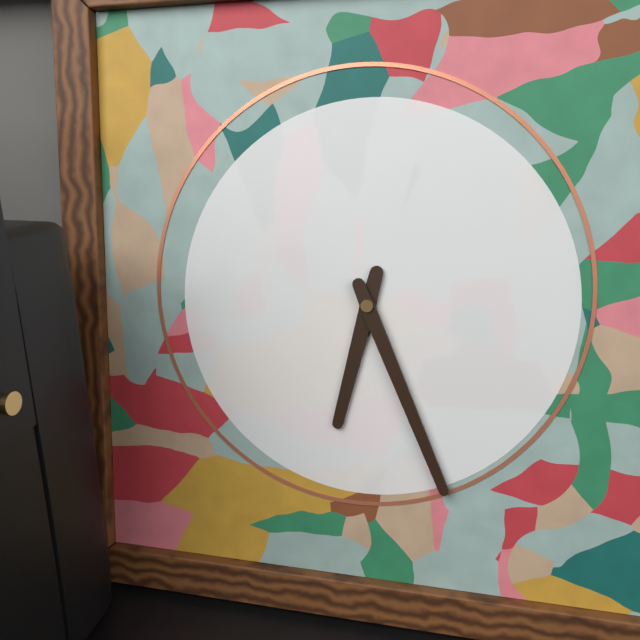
{"hour": 6, "minute": 26}
